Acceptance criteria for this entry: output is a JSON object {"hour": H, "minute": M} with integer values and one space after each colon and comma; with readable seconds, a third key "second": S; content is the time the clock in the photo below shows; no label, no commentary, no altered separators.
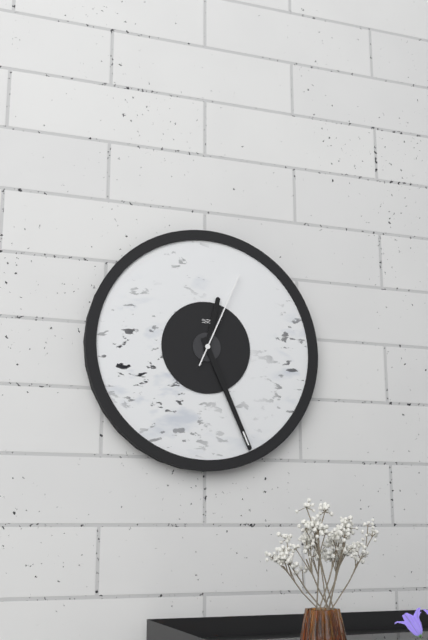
{"hour": 12, "minute": 26, "second": 4}
